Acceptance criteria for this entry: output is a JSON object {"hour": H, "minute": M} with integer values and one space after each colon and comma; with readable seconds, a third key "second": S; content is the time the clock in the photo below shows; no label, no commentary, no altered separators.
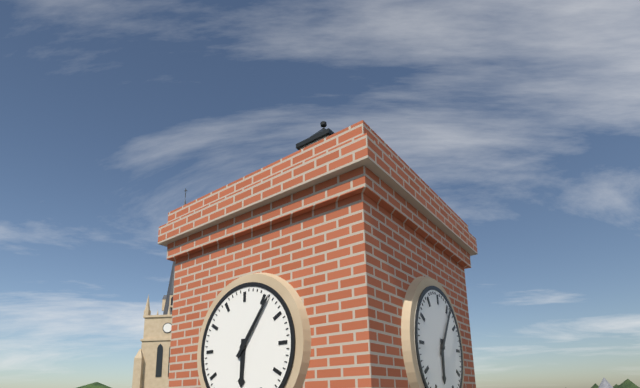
{"hour": 6, "minute": 6}
